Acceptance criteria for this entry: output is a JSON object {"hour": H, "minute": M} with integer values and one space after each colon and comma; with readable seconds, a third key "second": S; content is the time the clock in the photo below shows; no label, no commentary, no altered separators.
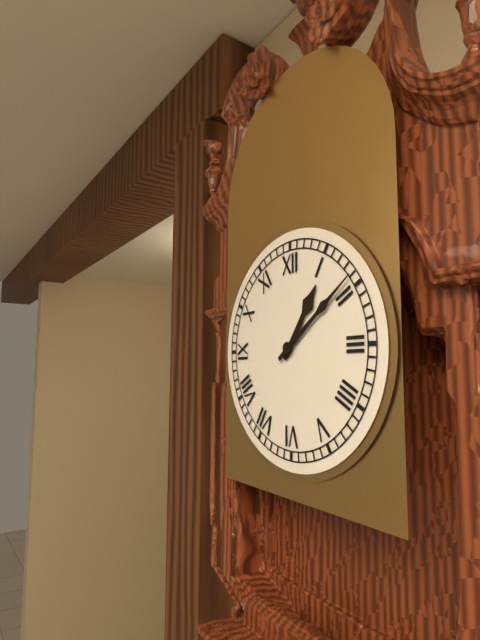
{"hour": 1, "minute": 9}
